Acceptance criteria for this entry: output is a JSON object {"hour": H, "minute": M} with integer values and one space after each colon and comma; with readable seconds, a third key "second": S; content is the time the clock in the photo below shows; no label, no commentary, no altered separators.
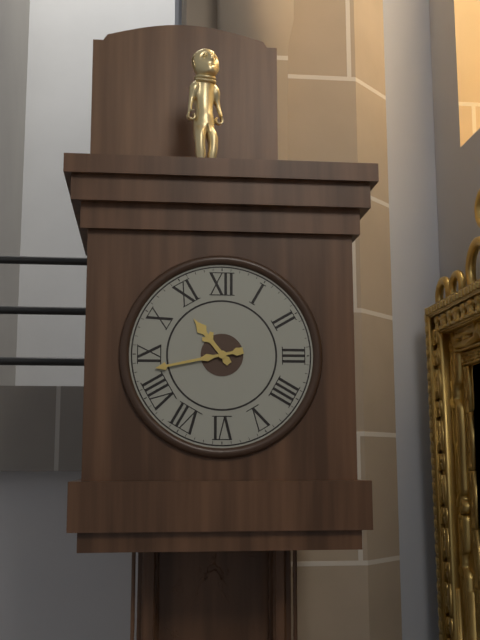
{"hour": 10, "minute": 43}
